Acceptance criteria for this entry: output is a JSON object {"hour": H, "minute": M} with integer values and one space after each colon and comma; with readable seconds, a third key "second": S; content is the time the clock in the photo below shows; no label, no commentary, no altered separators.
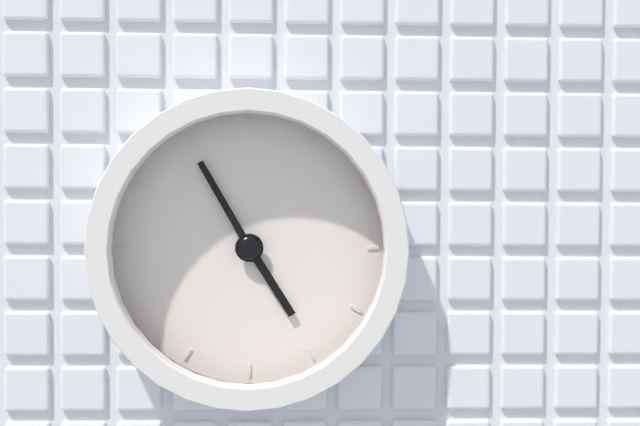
{"hour": 4, "minute": 55}
